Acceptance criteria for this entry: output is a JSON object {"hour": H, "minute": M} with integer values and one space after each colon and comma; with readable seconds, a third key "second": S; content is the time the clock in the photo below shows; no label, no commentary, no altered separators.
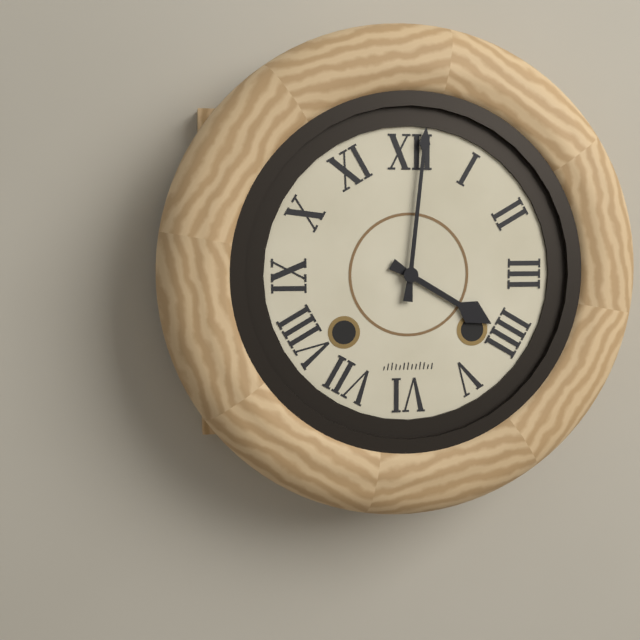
{"hour": 4, "minute": 1}
